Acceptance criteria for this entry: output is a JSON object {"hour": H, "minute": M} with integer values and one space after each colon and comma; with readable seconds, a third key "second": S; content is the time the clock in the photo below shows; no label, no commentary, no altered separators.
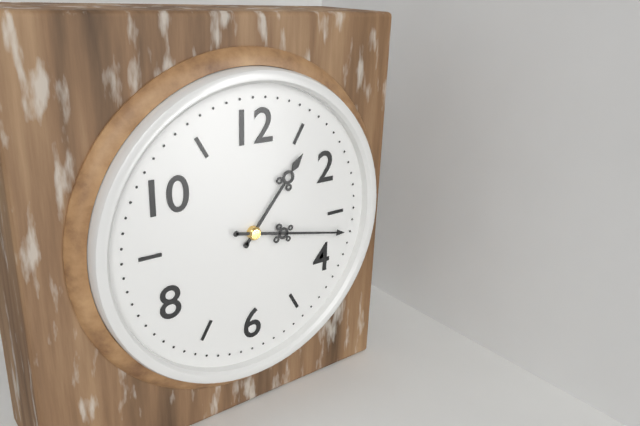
{"hour": 1, "minute": 17}
